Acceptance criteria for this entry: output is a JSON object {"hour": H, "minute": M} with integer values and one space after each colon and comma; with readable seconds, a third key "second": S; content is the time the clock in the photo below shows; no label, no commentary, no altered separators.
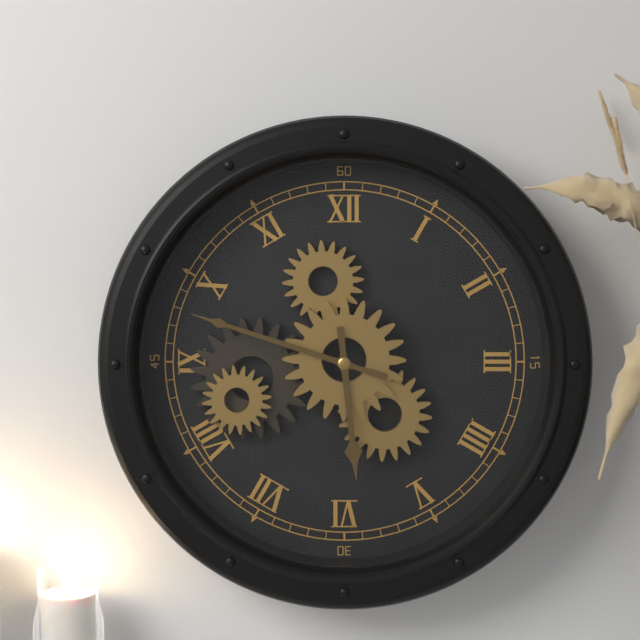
{"hour": 5, "minute": 48}
